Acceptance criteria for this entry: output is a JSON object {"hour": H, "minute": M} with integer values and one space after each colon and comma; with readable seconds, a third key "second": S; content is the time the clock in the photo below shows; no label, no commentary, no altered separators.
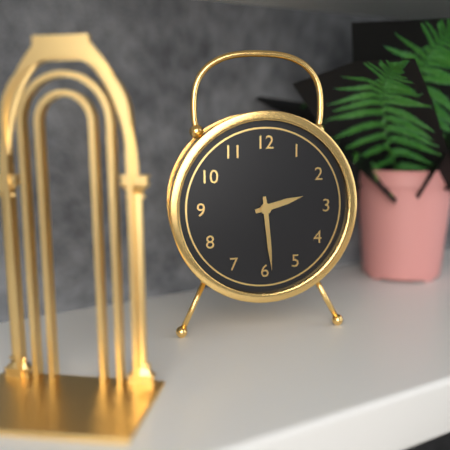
{"hour": 2, "minute": 29}
